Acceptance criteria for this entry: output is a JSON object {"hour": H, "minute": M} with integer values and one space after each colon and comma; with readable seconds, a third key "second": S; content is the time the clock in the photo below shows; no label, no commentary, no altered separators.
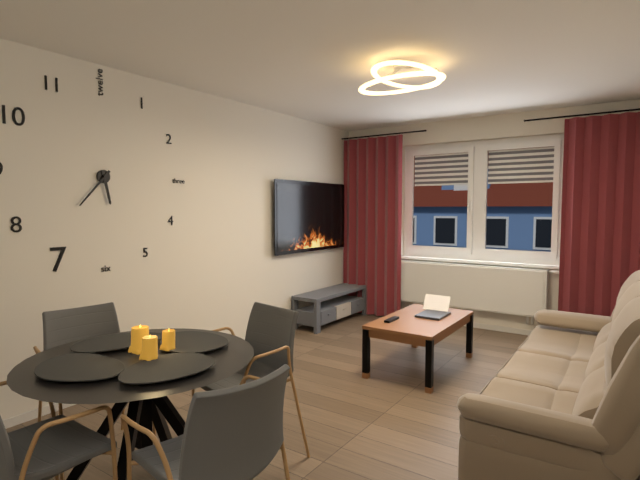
{"hour": 5, "minute": 37}
